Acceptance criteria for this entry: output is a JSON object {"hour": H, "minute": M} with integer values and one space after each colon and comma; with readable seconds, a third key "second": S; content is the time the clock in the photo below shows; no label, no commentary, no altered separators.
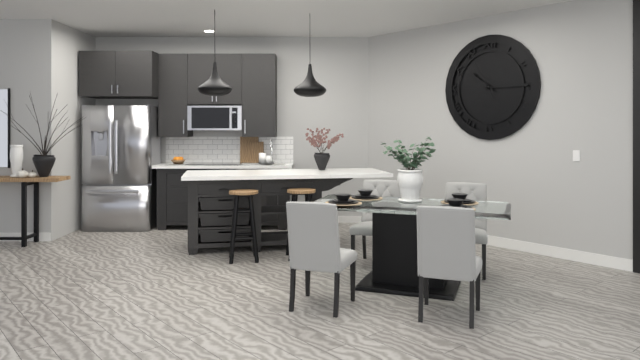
{"hour": 10, "minute": 15, "second": 55}
